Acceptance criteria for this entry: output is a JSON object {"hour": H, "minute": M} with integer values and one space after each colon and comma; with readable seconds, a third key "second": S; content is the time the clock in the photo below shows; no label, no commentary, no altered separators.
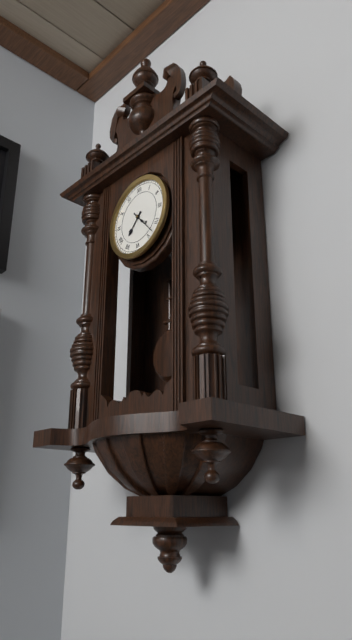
{"hour": 7, "minute": 23}
